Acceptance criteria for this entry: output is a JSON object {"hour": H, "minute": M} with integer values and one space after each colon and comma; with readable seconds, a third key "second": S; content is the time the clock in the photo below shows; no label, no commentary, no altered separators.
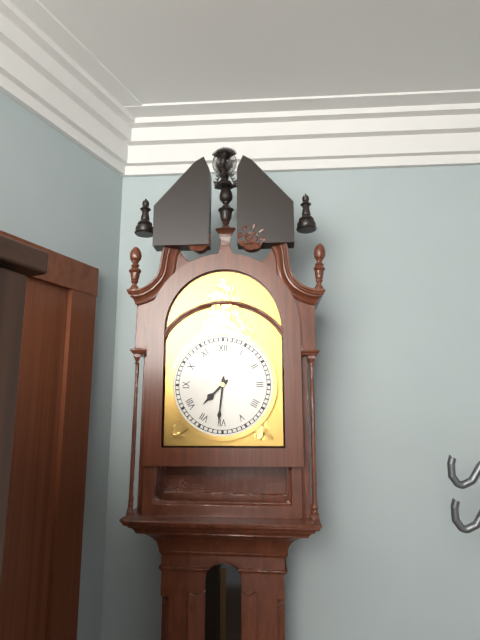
{"hour": 7, "minute": 31}
